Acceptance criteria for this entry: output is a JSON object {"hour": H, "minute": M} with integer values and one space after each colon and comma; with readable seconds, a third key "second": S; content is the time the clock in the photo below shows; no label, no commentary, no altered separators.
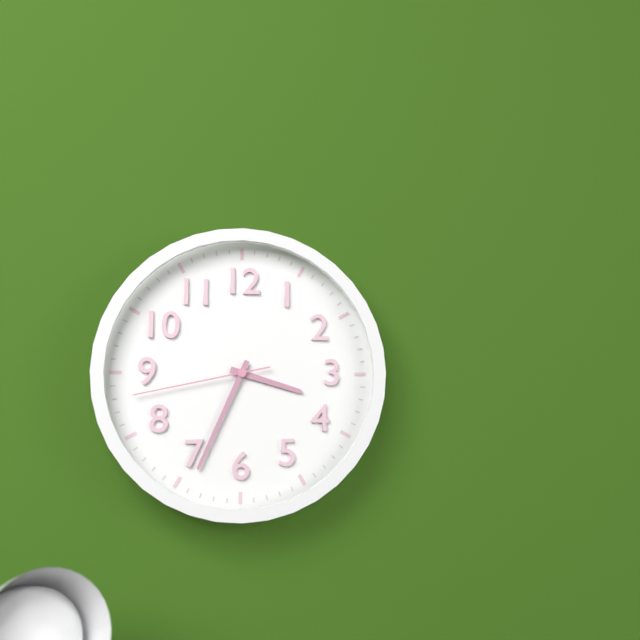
{"hour": 3, "minute": 34, "second": 43}
